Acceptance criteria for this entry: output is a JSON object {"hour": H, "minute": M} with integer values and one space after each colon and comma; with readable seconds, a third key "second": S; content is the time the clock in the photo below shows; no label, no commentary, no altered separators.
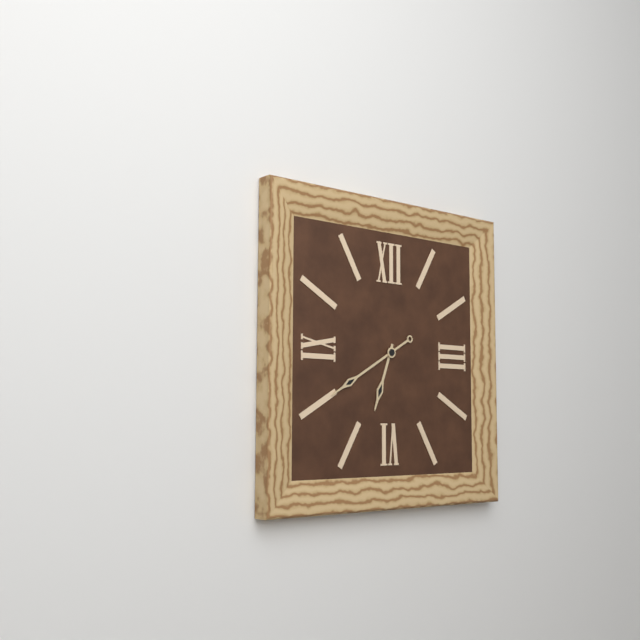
{"hour": 6, "minute": 40}
